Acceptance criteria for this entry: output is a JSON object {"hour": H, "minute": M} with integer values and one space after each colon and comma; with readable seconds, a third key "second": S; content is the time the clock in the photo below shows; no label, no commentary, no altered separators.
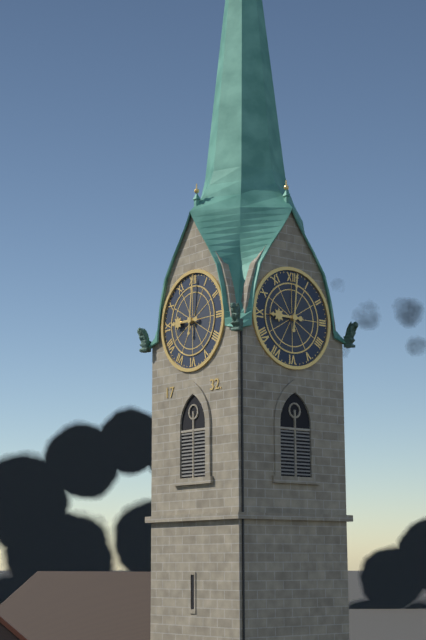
{"hour": 9, "minute": 1}
